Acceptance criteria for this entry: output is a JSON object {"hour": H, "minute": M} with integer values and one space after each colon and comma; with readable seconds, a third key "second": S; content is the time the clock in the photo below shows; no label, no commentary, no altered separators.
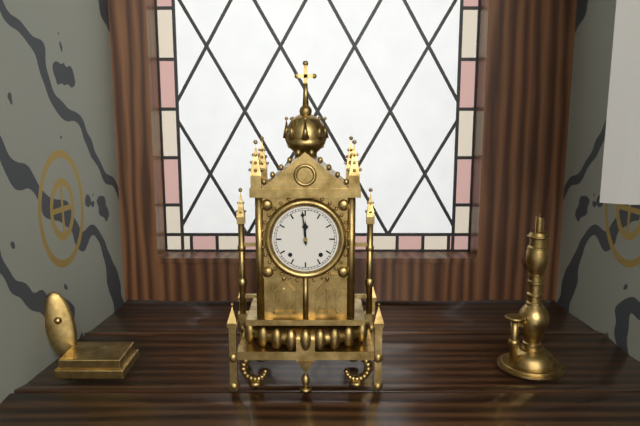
{"hour": 11, "minute": 59}
